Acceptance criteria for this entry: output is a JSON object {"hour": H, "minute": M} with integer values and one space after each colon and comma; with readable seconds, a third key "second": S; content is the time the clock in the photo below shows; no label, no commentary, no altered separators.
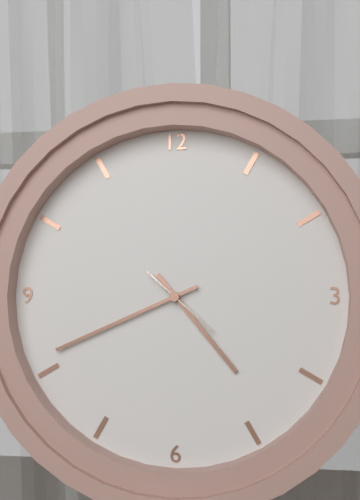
{"hour": 4, "minute": 41, "second": 22}
